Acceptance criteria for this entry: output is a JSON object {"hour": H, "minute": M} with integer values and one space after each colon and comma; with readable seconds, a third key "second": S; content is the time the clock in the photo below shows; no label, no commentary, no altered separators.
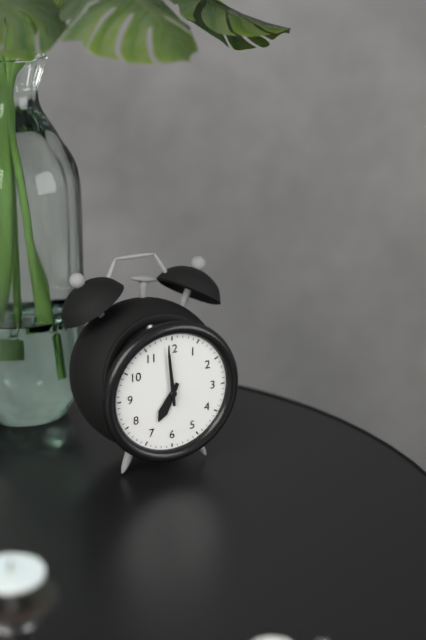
{"hour": 6, "minute": 59}
